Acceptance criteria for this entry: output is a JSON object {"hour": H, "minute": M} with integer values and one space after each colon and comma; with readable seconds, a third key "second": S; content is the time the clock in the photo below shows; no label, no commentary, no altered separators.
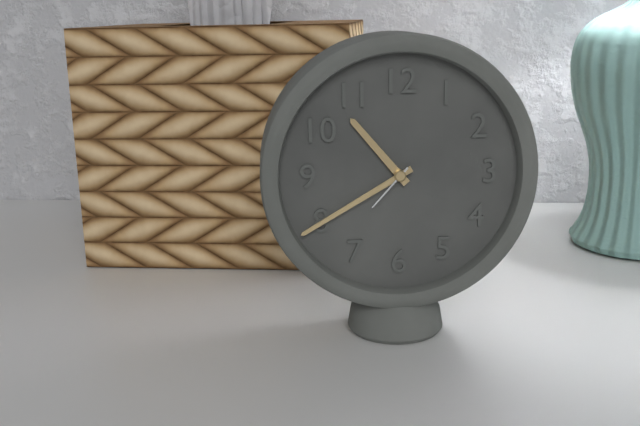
{"hour": 10, "minute": 40, "second": 37}
